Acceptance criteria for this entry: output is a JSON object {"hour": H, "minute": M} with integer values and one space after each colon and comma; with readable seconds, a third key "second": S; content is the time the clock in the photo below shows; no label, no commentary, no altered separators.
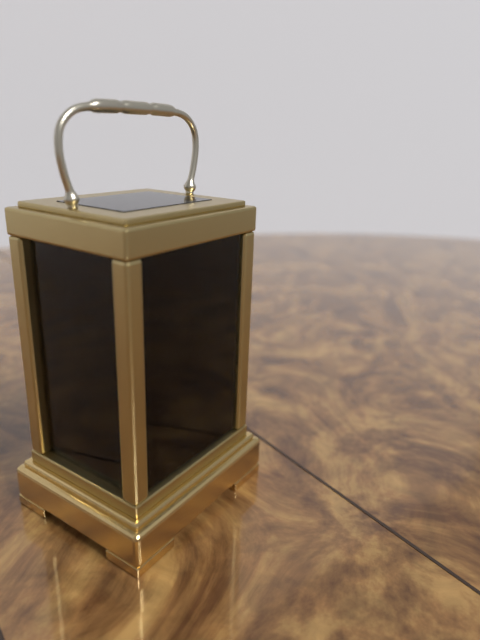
{"hour": 10, "minute": 32}
